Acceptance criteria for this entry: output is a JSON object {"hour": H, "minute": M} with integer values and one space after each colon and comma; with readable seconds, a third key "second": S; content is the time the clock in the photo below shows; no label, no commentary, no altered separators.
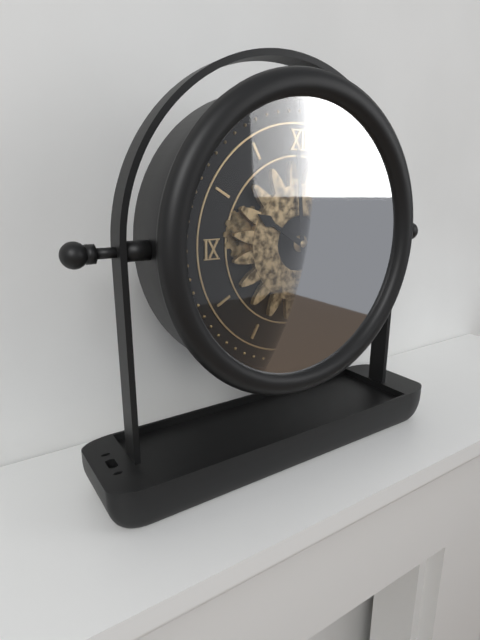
{"hour": 9, "minute": 59}
